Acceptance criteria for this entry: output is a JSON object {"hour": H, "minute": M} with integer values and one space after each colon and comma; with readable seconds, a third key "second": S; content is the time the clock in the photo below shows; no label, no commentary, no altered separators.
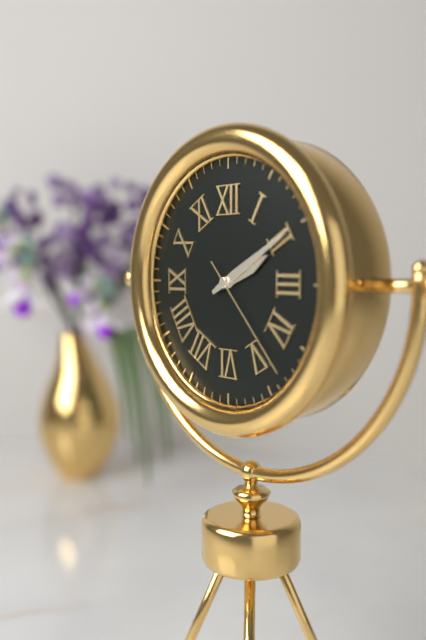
{"hour": 2, "minute": 10, "second": 23}
